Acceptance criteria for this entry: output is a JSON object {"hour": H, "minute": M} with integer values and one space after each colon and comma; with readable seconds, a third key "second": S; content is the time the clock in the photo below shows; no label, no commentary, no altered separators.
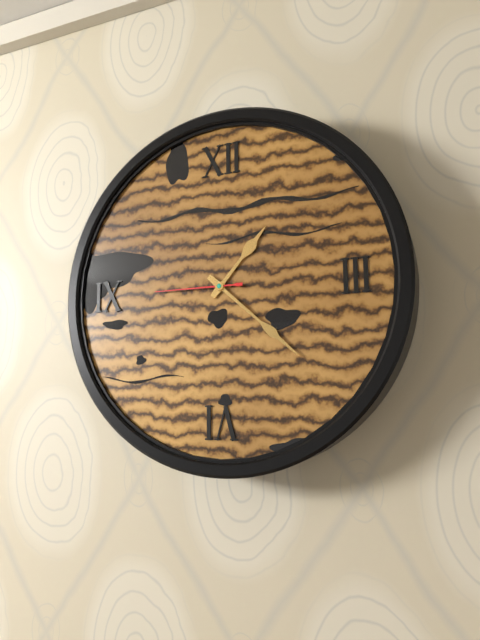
{"hour": 1, "minute": 22, "second": 45}
